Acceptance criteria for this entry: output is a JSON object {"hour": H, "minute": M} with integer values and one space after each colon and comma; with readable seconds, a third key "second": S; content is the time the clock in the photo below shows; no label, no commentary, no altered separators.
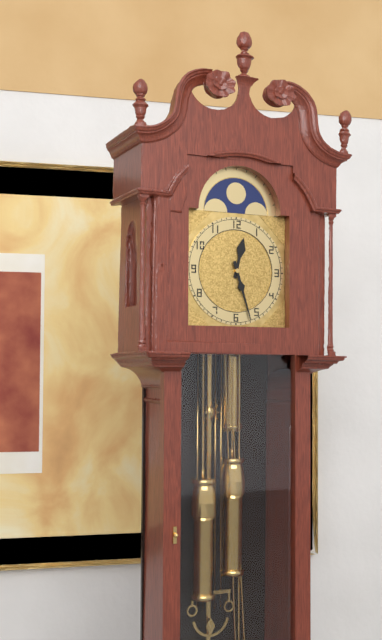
{"hour": 12, "minute": 27}
